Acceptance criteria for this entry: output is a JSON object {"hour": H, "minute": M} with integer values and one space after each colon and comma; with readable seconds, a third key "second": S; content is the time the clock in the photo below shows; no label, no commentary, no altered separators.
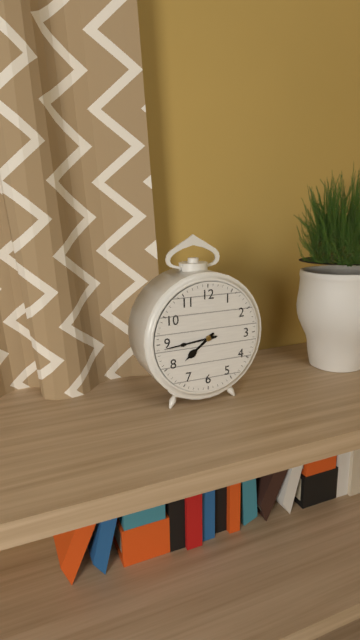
{"hour": 7, "minute": 44}
